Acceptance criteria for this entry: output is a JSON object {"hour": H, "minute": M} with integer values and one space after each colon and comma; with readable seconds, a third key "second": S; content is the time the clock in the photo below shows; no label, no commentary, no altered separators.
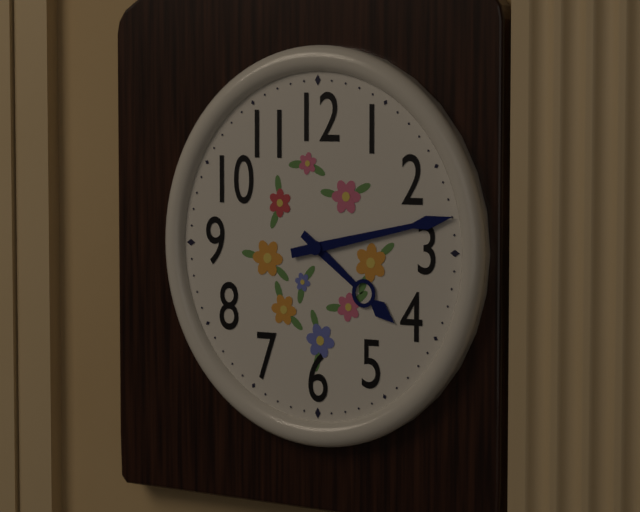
{"hour": 4, "minute": 13}
